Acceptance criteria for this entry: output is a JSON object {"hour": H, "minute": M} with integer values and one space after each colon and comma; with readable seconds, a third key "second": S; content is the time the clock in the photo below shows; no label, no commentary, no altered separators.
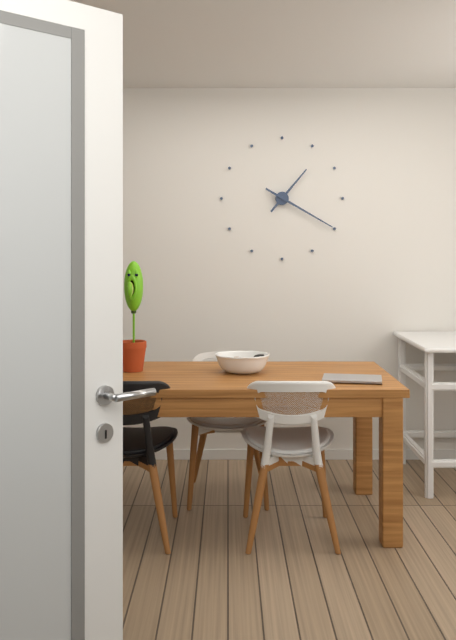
{"hour": 1, "minute": 20}
